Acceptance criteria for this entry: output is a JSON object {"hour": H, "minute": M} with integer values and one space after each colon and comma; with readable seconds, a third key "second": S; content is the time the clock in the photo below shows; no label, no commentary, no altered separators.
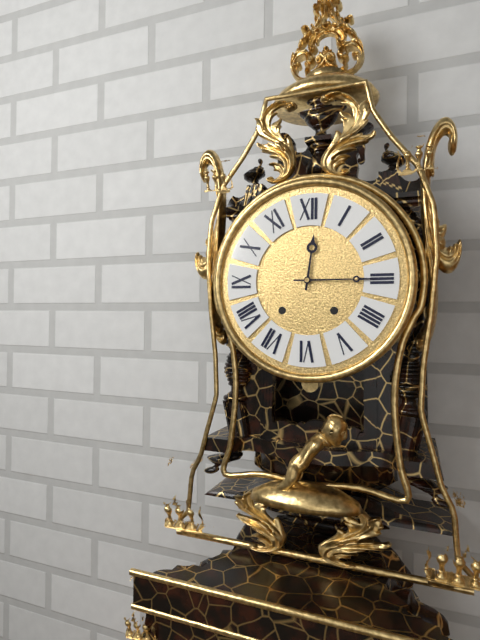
{"hour": 12, "minute": 15}
